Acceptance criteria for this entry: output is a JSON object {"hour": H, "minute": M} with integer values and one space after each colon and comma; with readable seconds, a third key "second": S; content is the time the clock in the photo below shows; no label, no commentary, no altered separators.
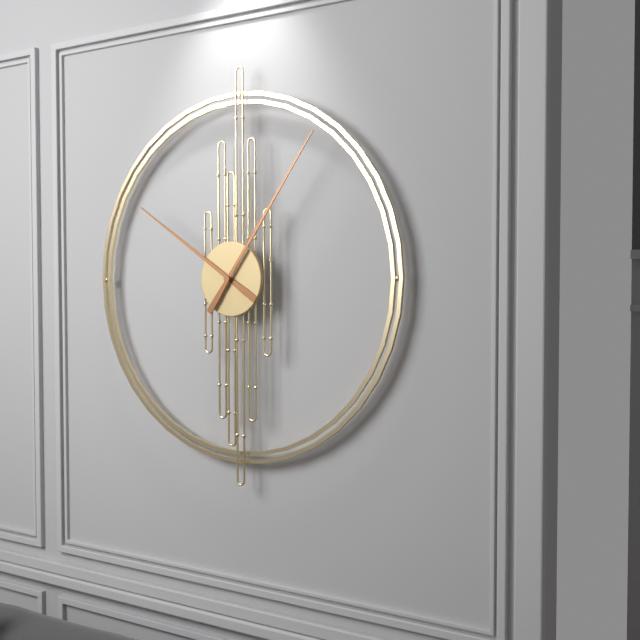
{"hour": 10, "minute": 6}
